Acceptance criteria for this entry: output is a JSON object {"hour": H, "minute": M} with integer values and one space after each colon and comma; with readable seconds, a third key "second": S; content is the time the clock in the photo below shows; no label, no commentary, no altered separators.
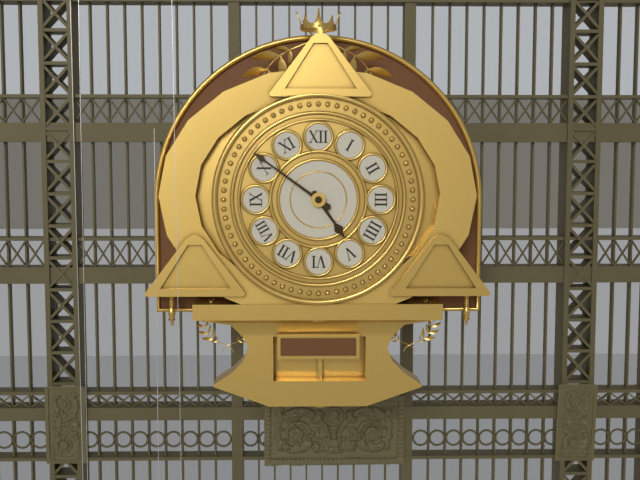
{"hour": 4, "minute": 51}
